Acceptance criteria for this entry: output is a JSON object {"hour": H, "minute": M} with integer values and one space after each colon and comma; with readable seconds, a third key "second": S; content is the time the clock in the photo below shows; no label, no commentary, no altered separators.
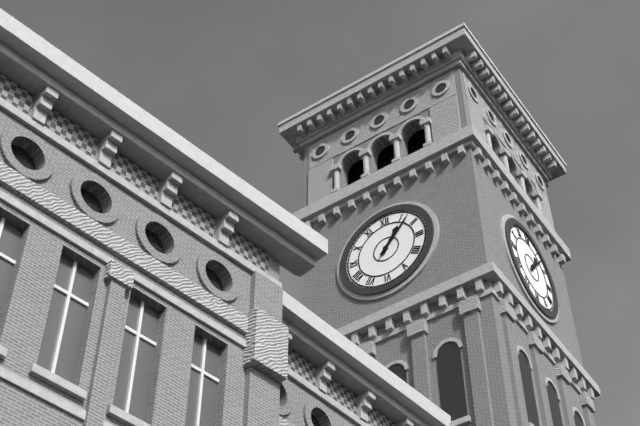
{"hour": 1, "minute": 7}
